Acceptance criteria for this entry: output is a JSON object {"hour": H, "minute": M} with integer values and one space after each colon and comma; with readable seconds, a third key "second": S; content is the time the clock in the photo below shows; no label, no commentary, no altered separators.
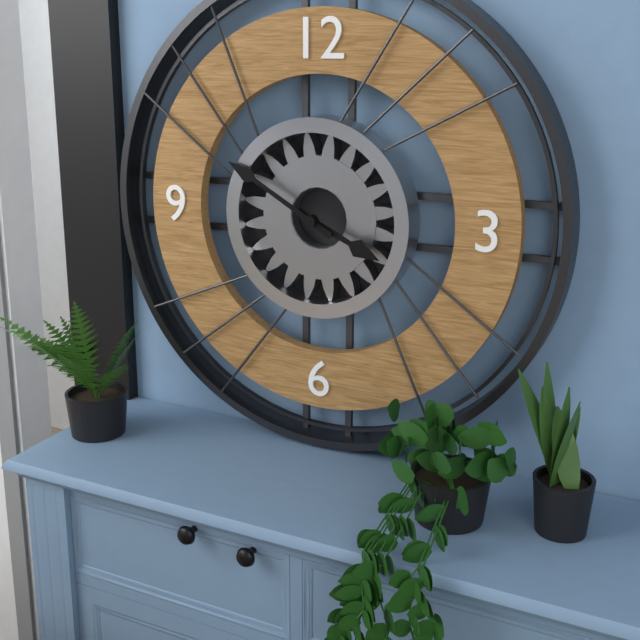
{"hour": 3, "minute": 50}
